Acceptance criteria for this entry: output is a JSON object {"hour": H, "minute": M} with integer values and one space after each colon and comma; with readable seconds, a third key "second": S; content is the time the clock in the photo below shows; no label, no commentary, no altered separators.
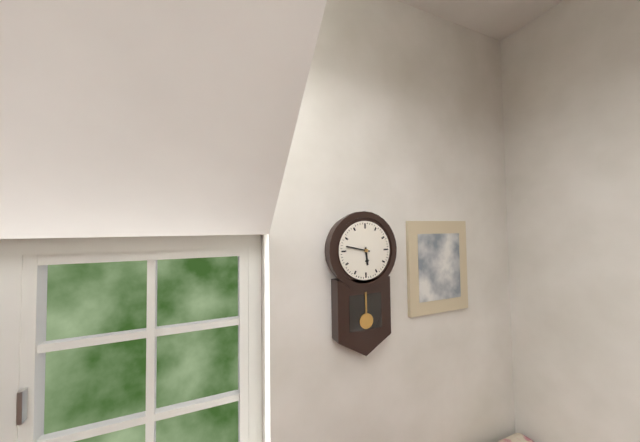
{"hour": 5, "minute": 47}
